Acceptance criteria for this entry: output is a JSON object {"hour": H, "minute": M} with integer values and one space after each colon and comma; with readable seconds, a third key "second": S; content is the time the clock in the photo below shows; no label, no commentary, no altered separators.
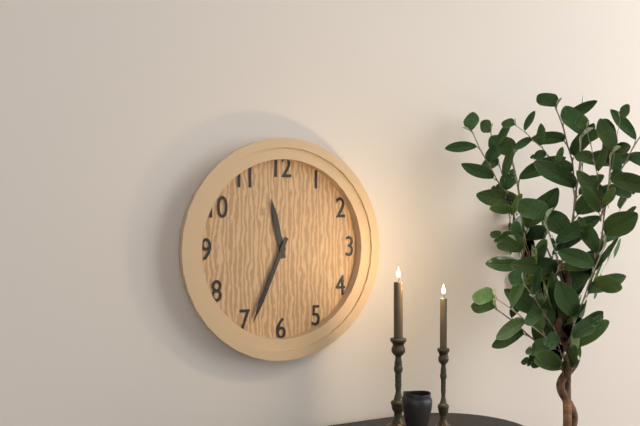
{"hour": 11, "minute": 34}
